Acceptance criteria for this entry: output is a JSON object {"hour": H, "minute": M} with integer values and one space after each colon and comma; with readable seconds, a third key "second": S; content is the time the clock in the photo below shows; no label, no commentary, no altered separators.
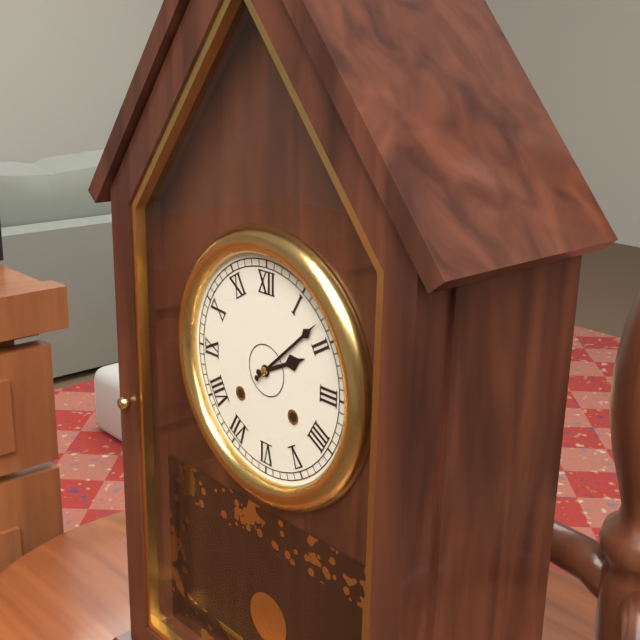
{"hour": 2, "minute": 8}
